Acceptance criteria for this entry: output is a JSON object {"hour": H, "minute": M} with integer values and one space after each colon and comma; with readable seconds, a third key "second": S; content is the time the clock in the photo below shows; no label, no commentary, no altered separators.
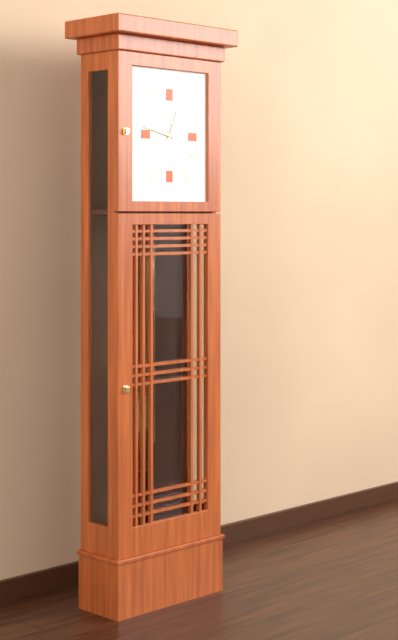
{"hour": 12, "minute": 47}
